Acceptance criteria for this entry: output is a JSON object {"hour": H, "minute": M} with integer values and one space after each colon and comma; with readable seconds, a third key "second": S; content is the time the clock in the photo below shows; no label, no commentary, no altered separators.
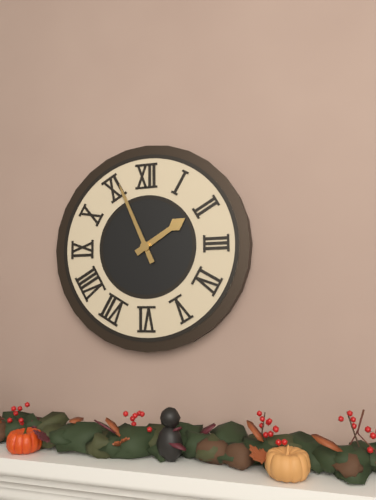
{"hour": 1, "minute": 56}
